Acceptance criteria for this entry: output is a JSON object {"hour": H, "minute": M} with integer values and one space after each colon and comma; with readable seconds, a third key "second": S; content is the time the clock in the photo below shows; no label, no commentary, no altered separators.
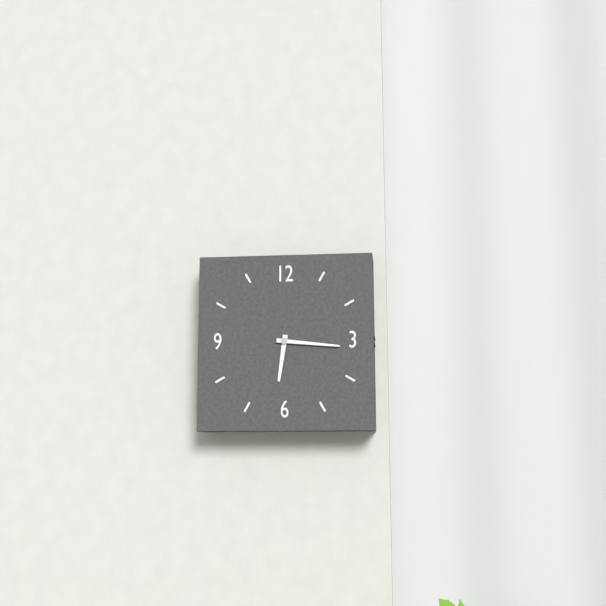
{"hour": 6, "minute": 16}
